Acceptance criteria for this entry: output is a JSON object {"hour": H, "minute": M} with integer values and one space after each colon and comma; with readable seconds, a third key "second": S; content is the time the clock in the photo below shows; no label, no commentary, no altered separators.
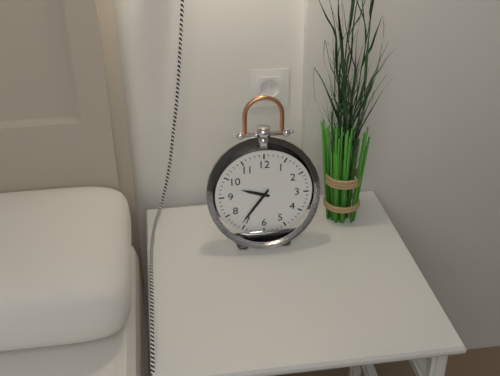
{"hour": 9, "minute": 36}
